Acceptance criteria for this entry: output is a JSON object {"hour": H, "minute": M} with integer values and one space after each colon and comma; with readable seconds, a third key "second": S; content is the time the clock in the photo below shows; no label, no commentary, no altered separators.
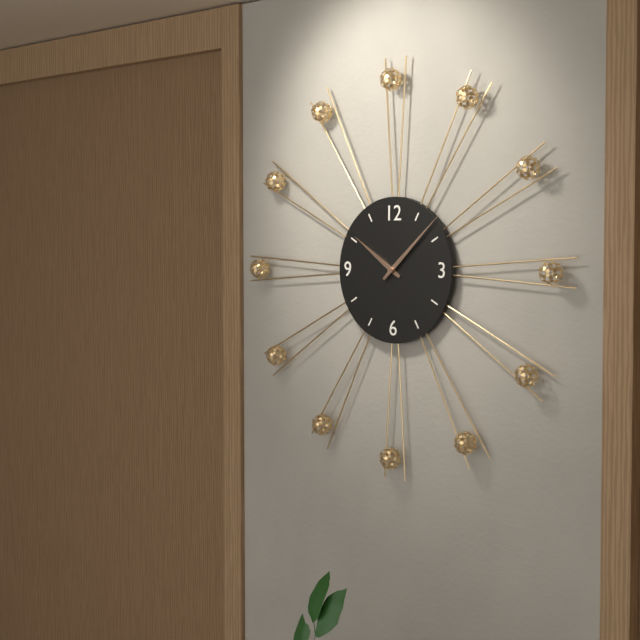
{"hour": 10, "minute": 8}
